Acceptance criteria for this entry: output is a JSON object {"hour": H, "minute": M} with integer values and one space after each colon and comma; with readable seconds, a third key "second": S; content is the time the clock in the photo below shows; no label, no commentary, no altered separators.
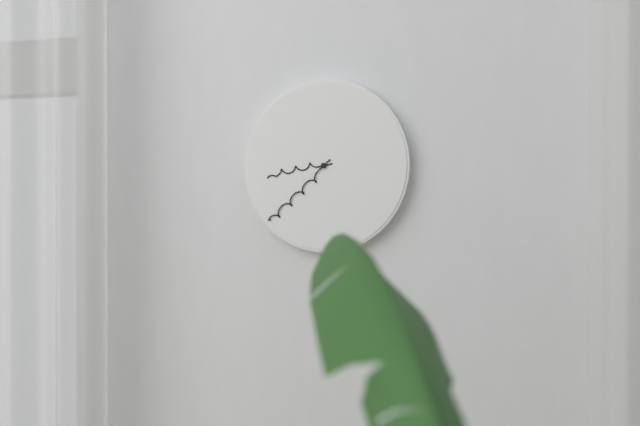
{"hour": 8, "minute": 38}
